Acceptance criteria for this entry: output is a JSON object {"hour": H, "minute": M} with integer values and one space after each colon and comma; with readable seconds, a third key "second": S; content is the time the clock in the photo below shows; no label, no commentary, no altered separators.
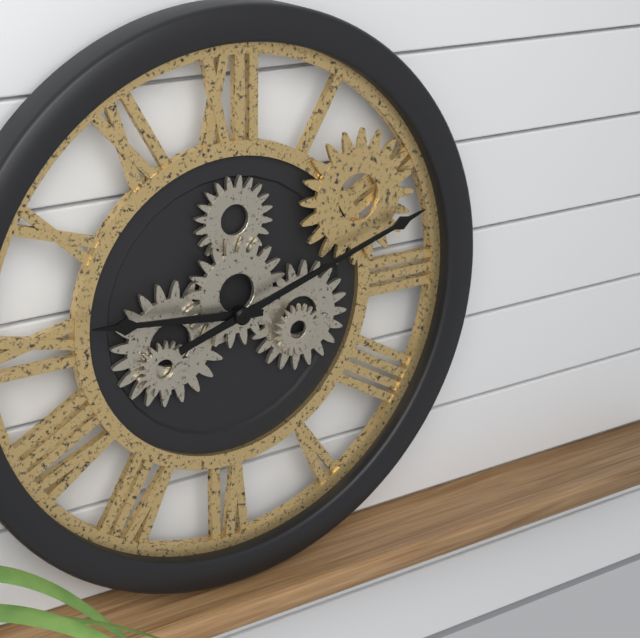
{"hour": 9, "minute": 12}
